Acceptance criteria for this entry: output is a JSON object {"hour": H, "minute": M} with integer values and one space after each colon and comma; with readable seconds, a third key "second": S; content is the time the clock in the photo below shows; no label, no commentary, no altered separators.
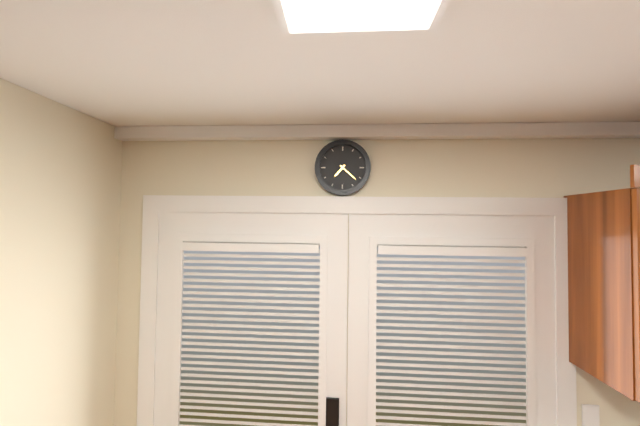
{"hour": 7, "minute": 22}
